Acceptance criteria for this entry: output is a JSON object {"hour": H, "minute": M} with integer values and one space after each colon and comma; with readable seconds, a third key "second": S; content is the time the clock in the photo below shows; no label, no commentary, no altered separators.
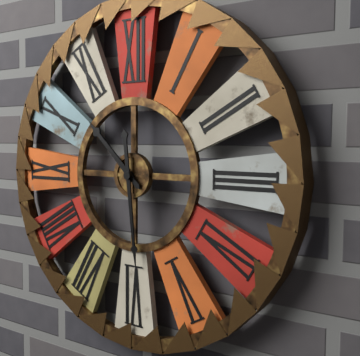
{"hour": 10, "minute": 29}
